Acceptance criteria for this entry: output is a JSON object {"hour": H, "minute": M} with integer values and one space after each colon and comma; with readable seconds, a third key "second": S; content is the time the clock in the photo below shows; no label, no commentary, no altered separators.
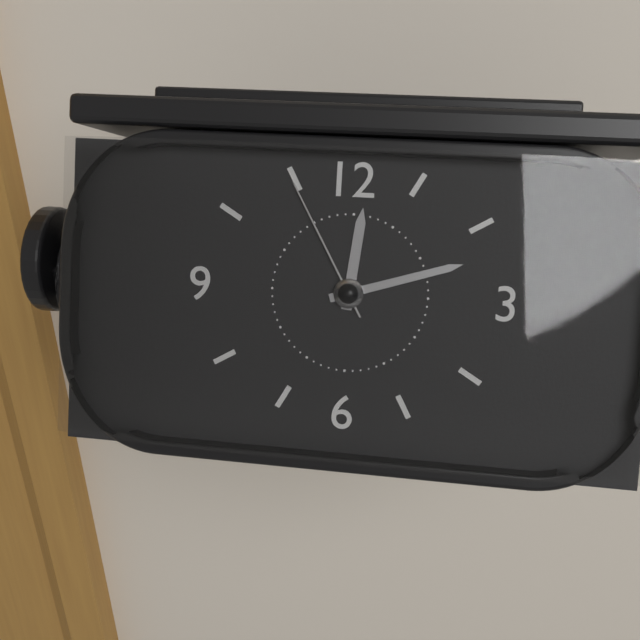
{"hour": 12, "minute": 12, "second": 55}
